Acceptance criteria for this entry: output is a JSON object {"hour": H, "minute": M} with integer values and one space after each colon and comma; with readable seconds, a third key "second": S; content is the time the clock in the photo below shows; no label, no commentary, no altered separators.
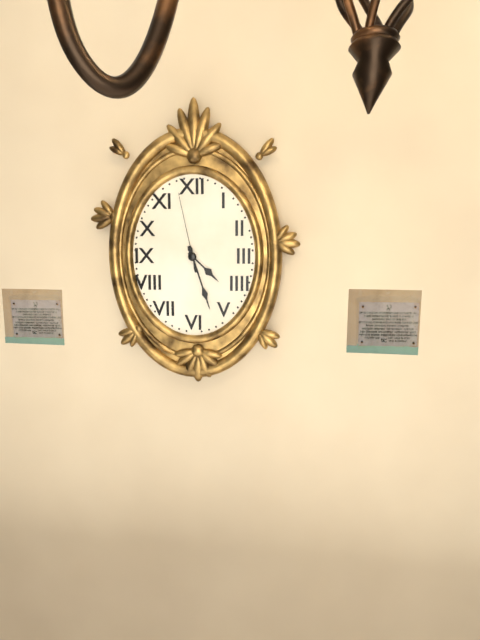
{"hour": 4, "minute": 27, "second": 58}
